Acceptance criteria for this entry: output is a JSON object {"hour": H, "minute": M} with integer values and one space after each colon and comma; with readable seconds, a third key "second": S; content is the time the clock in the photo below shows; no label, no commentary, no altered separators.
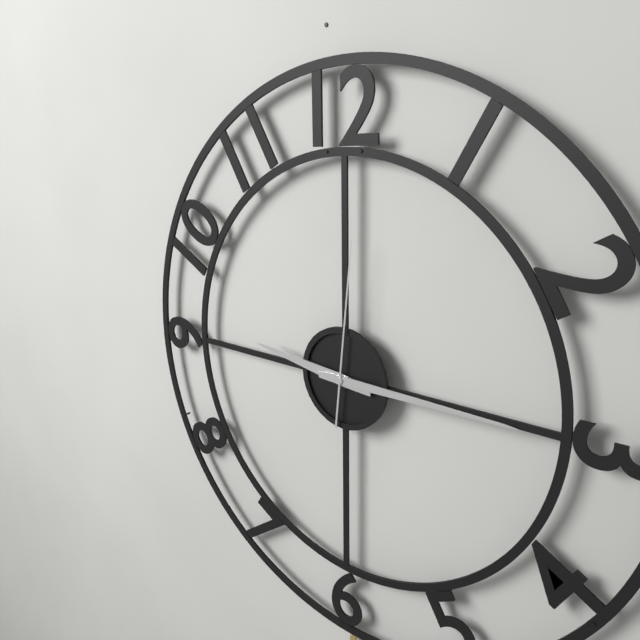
{"hour": 9, "minute": 15, "second": 1}
